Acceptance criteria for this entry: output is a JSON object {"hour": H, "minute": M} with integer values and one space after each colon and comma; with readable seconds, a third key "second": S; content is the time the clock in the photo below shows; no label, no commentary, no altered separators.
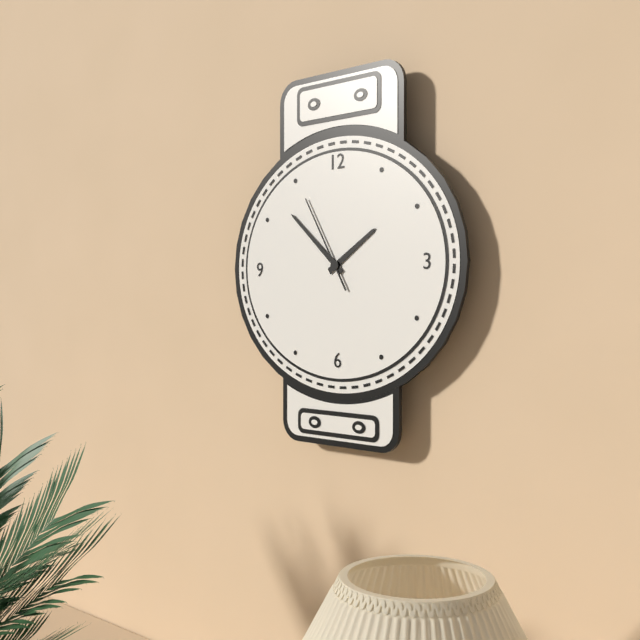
{"hour": 1, "minute": 52, "second": 55}
